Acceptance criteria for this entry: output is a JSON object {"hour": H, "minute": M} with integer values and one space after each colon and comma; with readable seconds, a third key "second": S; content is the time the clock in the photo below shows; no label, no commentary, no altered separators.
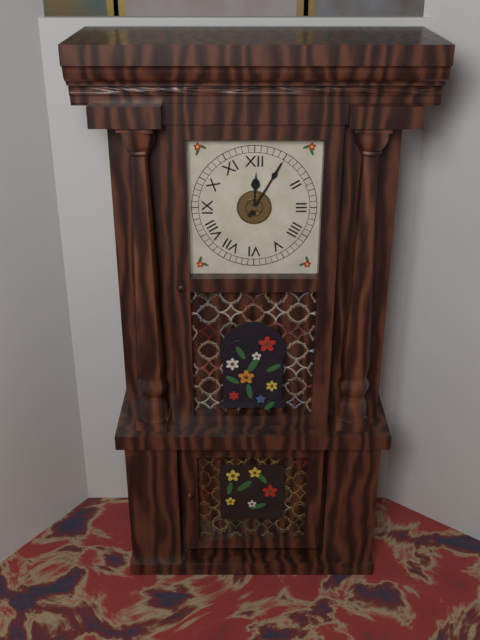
{"hour": 12, "minute": 5}
